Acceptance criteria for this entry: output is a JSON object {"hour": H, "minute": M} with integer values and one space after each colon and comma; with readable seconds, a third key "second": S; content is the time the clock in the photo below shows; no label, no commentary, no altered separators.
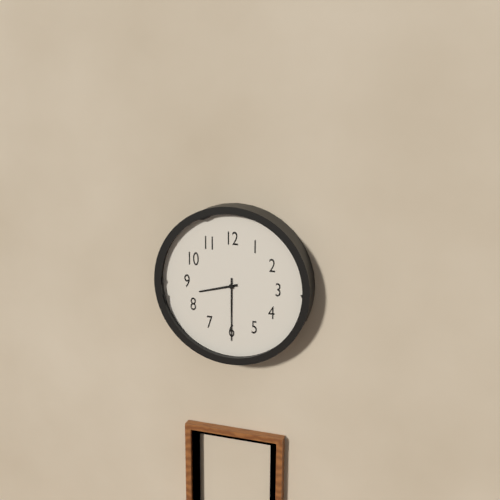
{"hour": 8, "minute": 30}
